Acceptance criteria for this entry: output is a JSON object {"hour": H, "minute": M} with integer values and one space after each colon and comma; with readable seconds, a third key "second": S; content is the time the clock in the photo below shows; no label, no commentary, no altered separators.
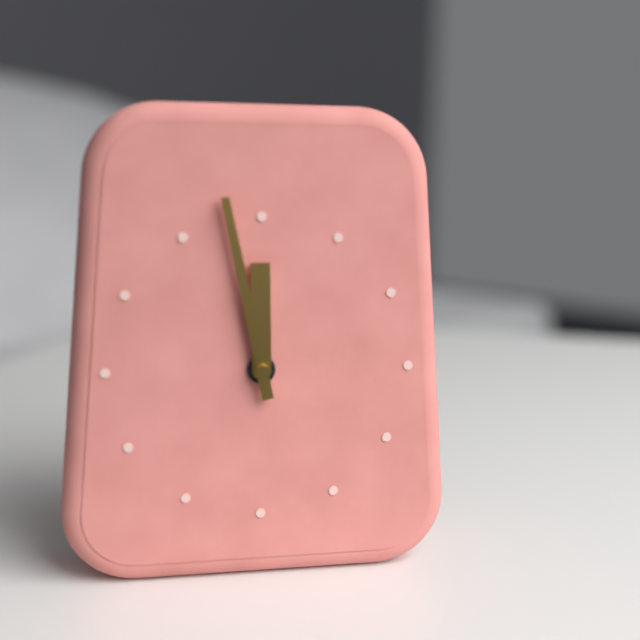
{"hour": 11, "minute": 58}
